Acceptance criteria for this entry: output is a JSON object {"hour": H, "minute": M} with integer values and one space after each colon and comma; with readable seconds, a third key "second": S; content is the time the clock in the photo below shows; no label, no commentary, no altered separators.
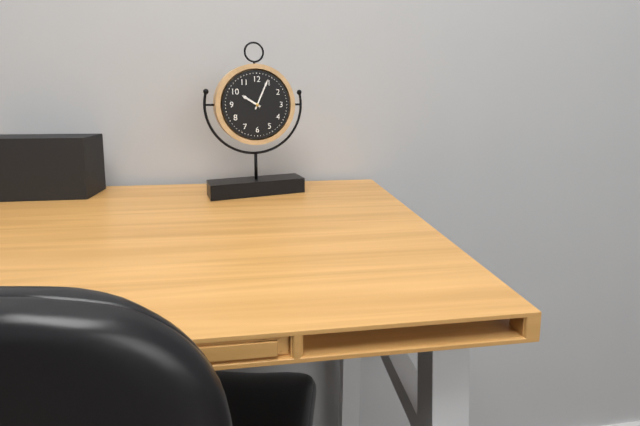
{"hour": 10, "minute": 4}
